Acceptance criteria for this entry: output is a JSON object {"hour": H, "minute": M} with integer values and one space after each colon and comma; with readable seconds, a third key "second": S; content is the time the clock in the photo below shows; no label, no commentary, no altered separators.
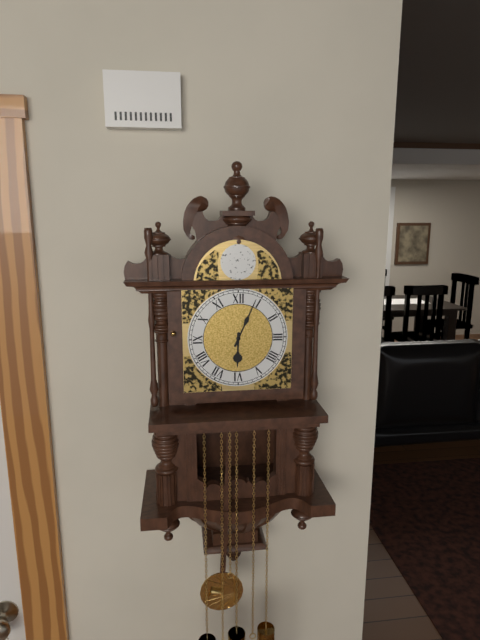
{"hour": 6, "minute": 4}
